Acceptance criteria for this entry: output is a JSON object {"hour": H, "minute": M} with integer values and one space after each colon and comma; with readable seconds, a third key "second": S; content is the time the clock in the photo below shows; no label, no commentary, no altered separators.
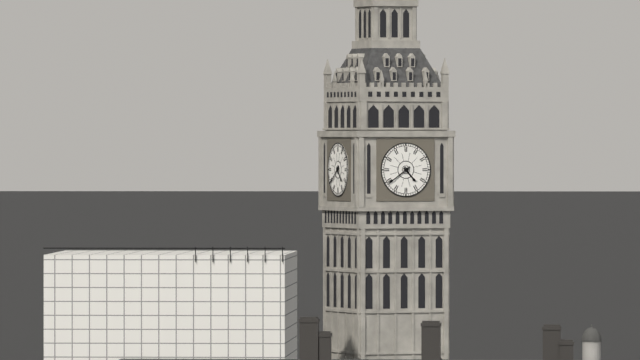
{"hour": 4, "minute": 39}
